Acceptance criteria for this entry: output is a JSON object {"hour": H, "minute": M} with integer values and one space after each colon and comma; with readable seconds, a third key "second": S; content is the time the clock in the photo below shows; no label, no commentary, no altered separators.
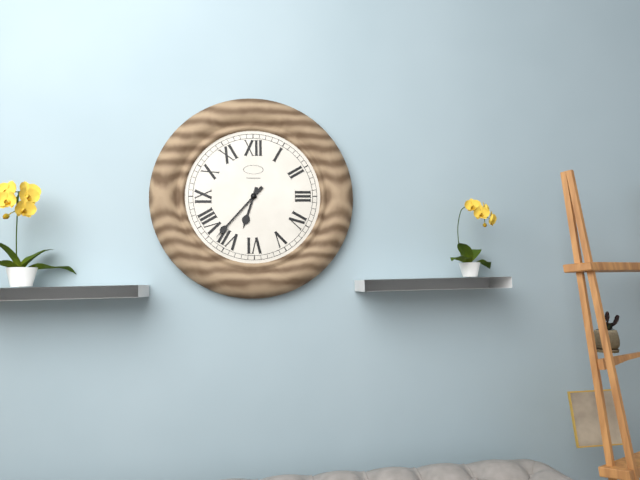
{"hour": 6, "minute": 37}
